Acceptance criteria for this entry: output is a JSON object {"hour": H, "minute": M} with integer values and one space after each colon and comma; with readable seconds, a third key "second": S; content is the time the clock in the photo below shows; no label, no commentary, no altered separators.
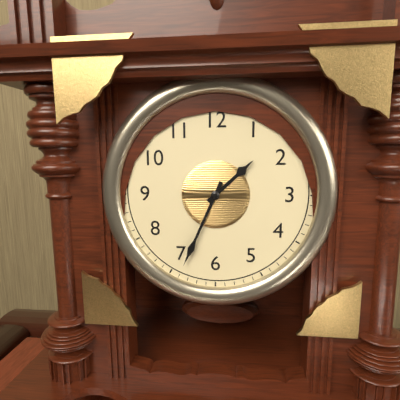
{"hour": 1, "minute": 34}
